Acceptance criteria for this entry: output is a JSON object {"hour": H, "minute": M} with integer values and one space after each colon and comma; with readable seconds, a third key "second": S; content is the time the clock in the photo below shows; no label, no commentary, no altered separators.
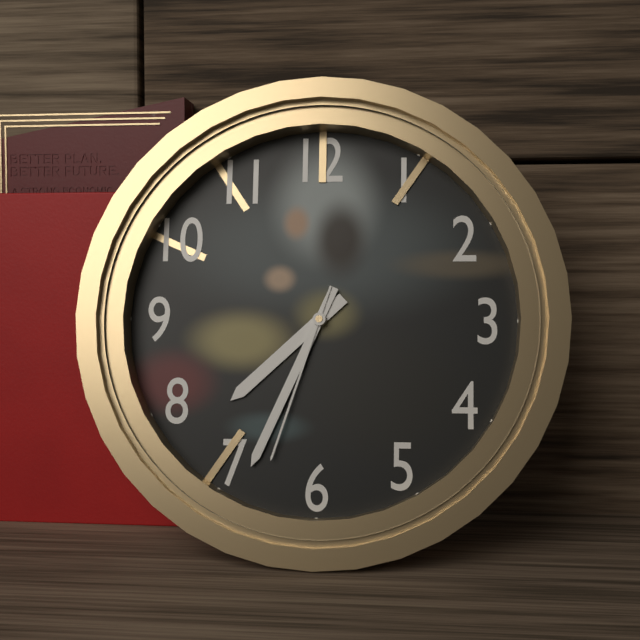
{"hour": 7, "minute": 34, "second": 33}
